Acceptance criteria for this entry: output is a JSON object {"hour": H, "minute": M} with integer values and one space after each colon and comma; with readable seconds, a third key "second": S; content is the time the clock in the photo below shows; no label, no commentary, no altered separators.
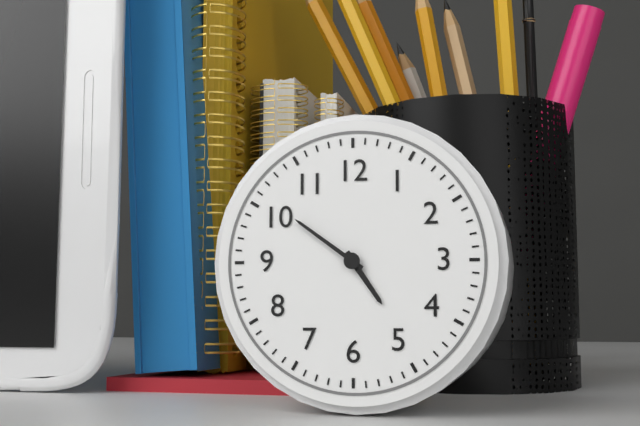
{"hour": 4, "minute": 51}
